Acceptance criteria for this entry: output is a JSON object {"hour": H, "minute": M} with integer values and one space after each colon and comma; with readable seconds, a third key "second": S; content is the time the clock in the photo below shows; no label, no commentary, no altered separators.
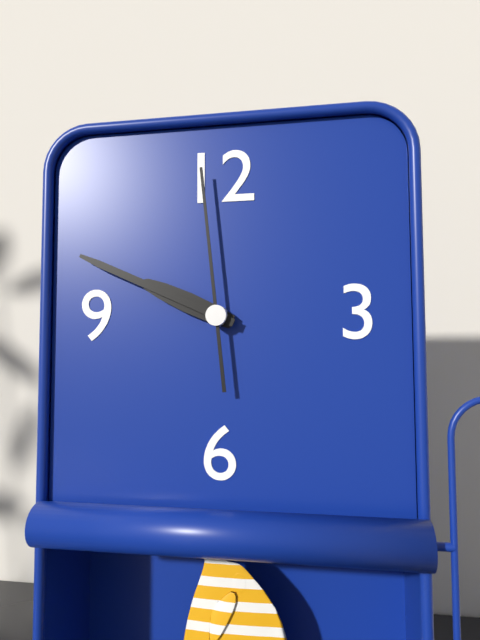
{"hour": 9, "minute": 49, "second": 59}
